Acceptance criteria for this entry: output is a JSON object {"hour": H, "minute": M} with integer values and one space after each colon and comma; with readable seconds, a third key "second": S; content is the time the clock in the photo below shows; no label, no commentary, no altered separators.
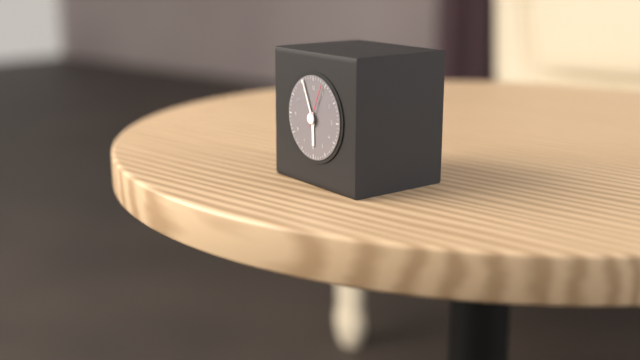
{"hour": 5, "minute": 56}
